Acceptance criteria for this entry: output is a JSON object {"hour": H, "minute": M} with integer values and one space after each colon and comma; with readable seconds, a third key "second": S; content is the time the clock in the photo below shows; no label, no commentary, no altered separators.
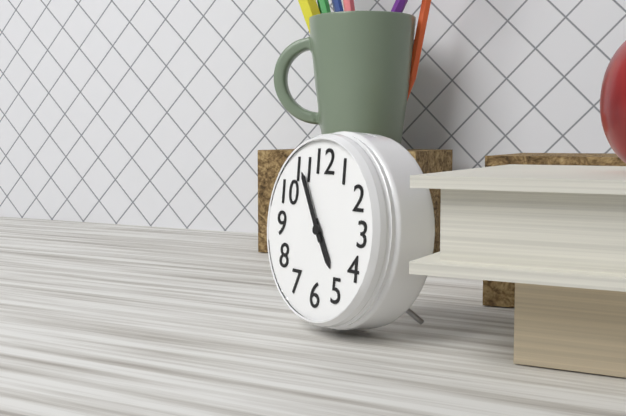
{"hour": 4, "minute": 55}
